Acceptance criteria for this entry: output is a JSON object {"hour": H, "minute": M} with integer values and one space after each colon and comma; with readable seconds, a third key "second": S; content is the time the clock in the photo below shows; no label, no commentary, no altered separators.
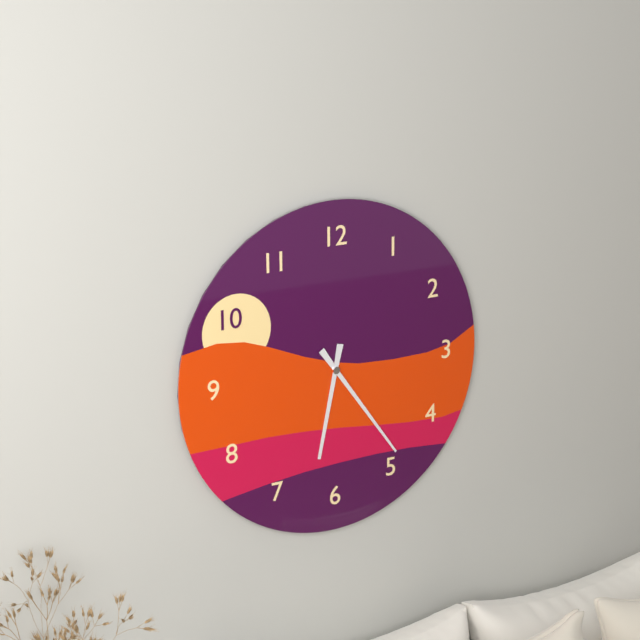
{"hour": 6, "minute": 24}
